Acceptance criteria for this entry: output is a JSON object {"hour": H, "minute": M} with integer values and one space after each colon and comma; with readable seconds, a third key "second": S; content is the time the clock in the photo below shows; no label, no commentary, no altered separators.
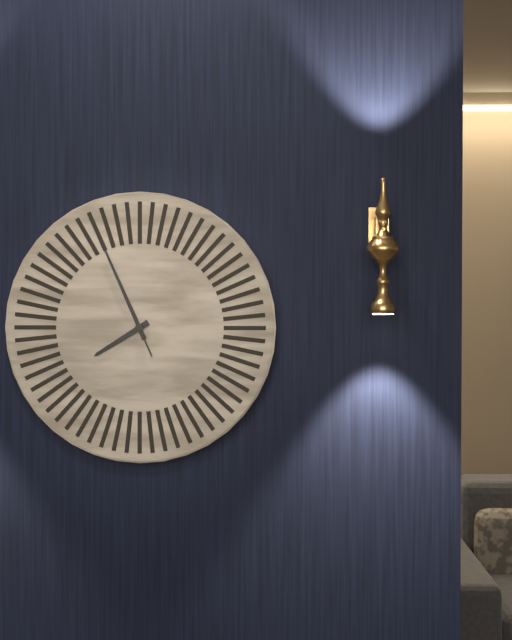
{"hour": 7, "minute": 56, "second": 56}
